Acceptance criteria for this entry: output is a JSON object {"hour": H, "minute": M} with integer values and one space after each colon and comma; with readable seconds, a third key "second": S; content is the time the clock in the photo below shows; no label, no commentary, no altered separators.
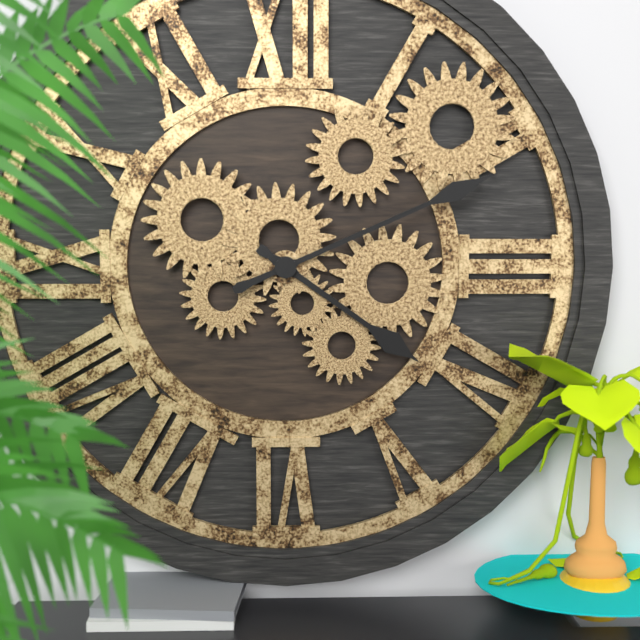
{"hour": 4, "minute": 11}
